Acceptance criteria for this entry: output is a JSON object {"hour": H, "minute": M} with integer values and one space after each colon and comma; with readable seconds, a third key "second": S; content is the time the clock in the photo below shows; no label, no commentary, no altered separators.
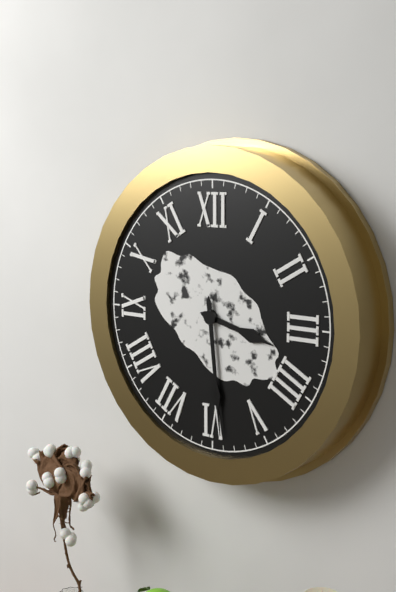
{"hour": 3, "minute": 29}
